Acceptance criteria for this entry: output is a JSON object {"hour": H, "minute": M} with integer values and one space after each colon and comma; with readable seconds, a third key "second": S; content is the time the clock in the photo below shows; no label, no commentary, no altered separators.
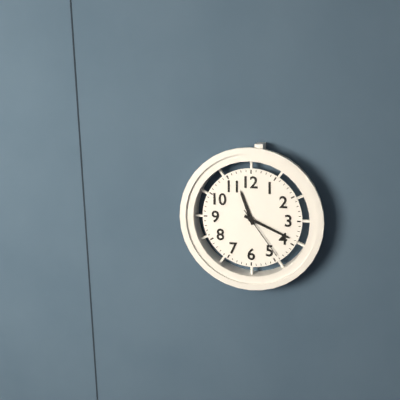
{"hour": 11, "minute": 19, "second": 24}
